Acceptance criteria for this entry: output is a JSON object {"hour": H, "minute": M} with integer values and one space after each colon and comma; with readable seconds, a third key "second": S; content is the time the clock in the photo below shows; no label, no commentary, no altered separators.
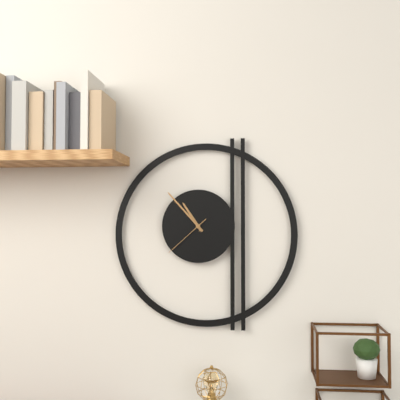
{"hour": 10, "minute": 53}
